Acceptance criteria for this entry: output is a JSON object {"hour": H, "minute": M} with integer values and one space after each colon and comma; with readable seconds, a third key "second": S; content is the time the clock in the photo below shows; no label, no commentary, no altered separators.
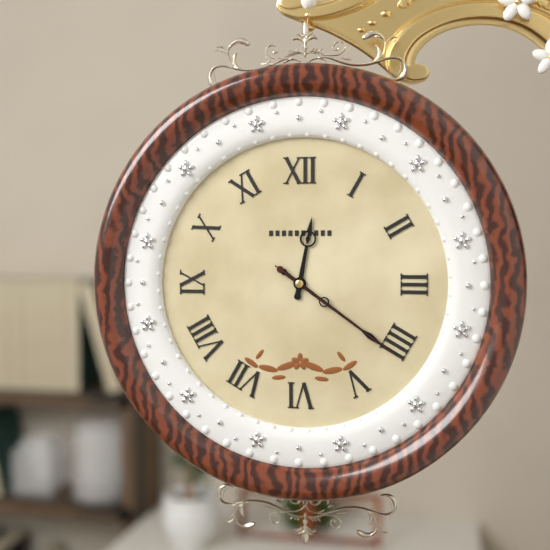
{"hour": 12, "minute": 21, "second": 21}
